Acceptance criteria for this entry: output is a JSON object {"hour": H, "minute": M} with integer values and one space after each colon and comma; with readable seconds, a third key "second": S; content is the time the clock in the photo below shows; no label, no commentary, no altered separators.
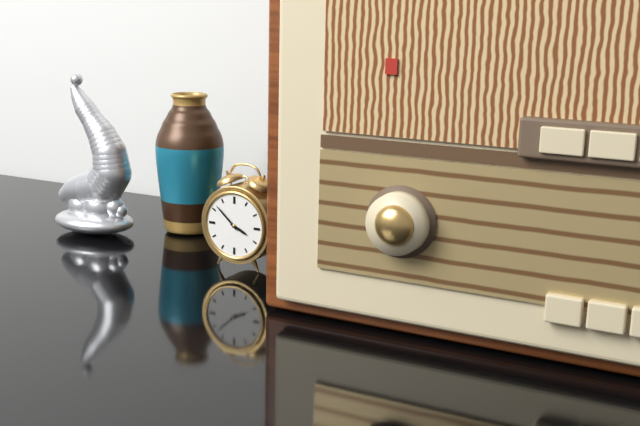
{"hour": 3, "minute": 52}
